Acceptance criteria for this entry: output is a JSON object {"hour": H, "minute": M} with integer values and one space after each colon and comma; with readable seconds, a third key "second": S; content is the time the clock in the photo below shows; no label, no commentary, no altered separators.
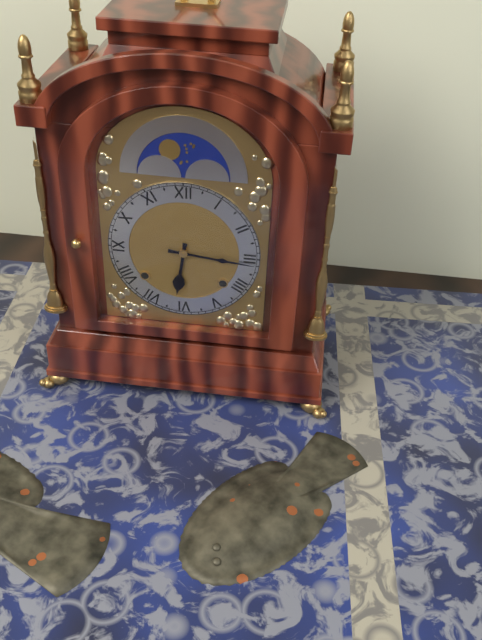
{"hour": 6, "minute": 16}
